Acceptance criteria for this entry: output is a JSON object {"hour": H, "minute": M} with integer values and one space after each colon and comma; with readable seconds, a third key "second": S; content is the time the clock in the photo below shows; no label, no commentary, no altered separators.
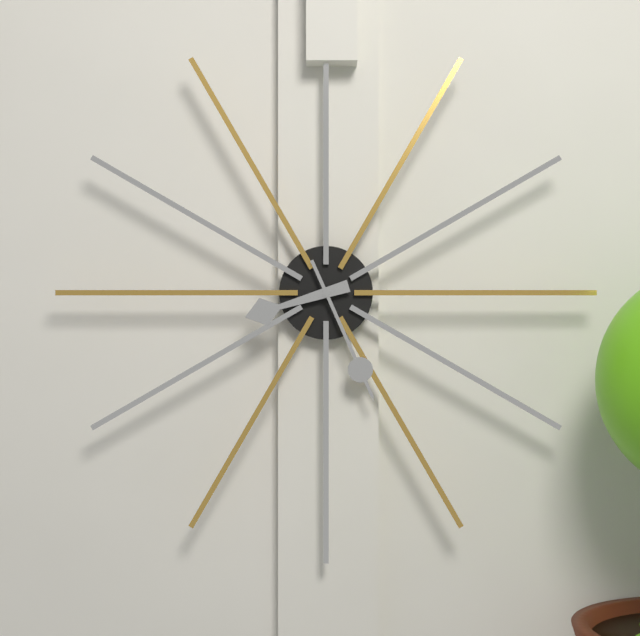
{"hour": 8, "minute": 26}
